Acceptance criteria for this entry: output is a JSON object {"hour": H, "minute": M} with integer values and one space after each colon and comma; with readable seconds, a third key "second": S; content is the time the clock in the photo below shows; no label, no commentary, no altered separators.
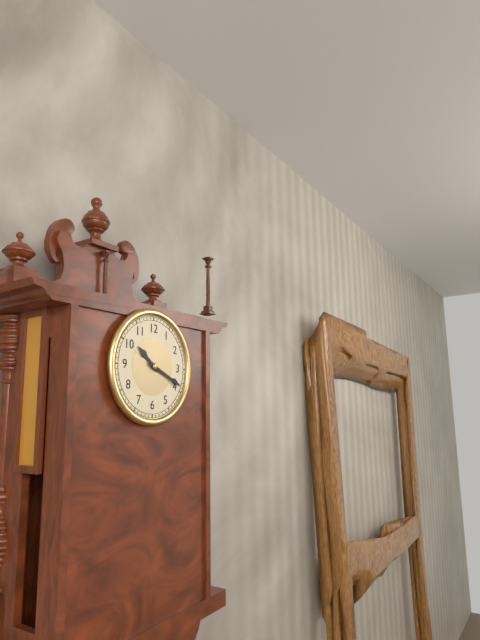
{"hour": 10, "minute": 19}
